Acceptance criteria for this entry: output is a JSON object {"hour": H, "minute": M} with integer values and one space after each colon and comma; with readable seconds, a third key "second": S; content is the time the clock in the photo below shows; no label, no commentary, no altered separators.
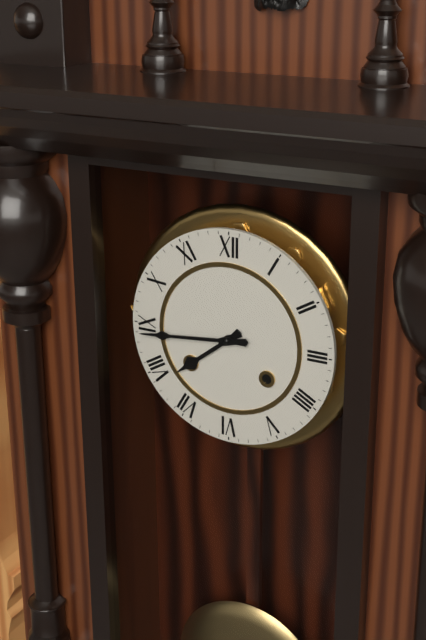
{"hour": 7, "minute": 44}
